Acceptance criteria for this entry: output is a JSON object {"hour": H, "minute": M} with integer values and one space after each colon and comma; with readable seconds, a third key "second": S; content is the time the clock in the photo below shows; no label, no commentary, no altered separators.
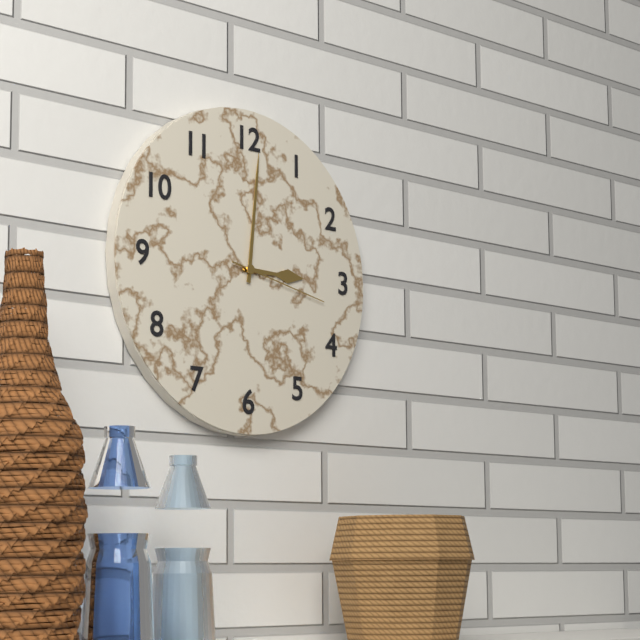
{"hour": 3, "minute": 1, "second": 17}
